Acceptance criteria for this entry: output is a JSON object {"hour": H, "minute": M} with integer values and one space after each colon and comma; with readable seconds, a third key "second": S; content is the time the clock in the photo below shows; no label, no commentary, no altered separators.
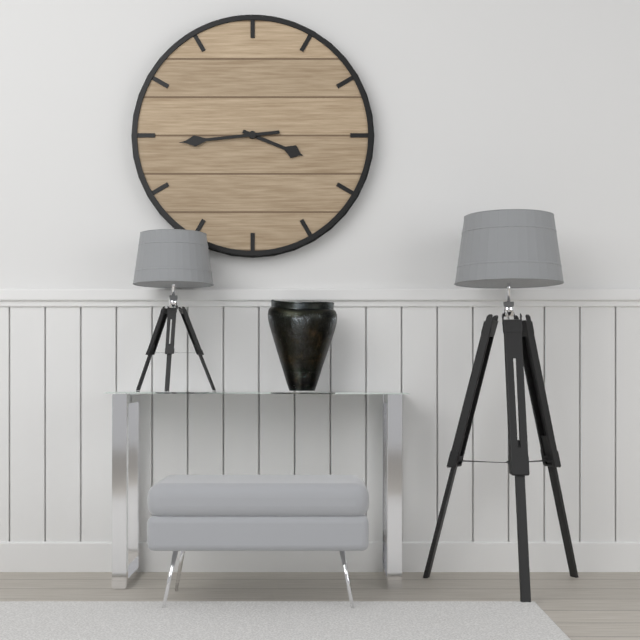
{"hour": 3, "minute": 44}
